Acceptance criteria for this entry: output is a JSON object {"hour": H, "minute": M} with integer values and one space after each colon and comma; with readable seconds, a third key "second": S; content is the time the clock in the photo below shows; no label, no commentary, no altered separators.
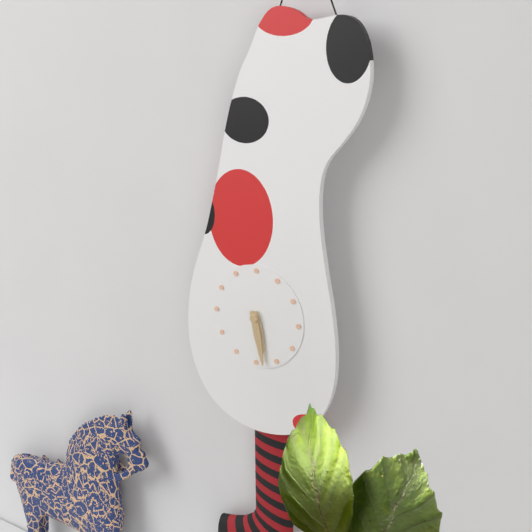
{"hour": 5, "minute": 28}
